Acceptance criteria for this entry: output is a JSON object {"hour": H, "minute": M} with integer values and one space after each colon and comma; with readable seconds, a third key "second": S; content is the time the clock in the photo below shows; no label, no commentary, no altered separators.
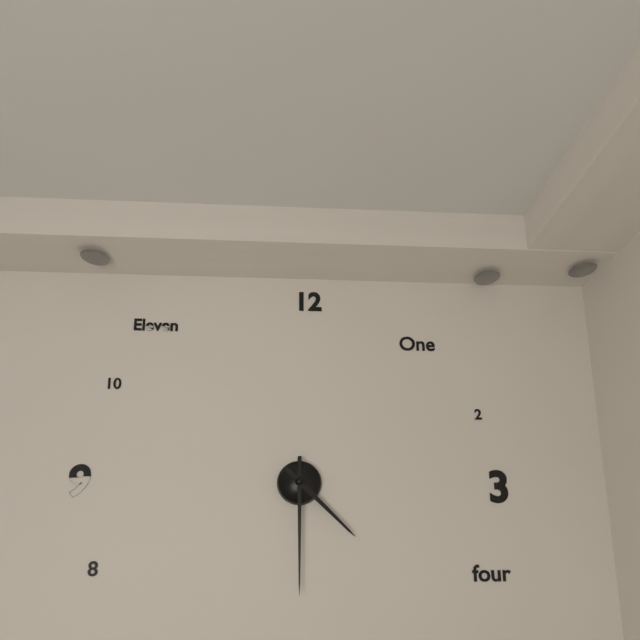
{"hour": 4, "minute": 30}
